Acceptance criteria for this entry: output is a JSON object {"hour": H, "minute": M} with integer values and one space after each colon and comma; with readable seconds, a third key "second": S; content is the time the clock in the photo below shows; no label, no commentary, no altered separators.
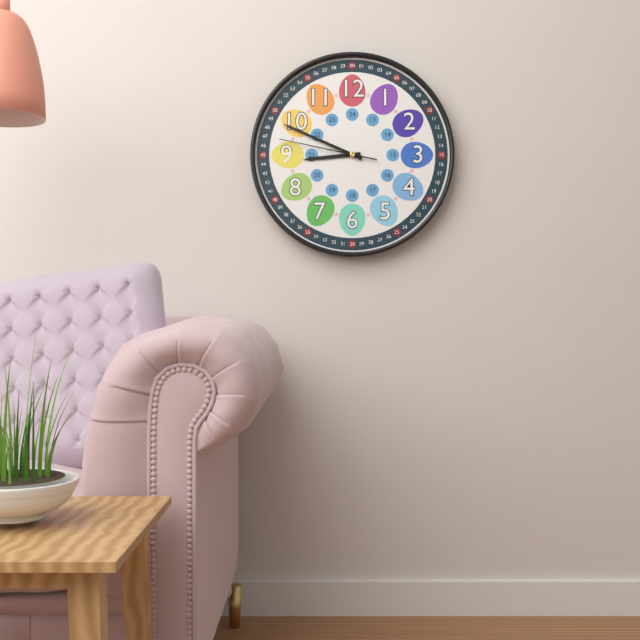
{"hour": 8, "minute": 49, "second": 47}
